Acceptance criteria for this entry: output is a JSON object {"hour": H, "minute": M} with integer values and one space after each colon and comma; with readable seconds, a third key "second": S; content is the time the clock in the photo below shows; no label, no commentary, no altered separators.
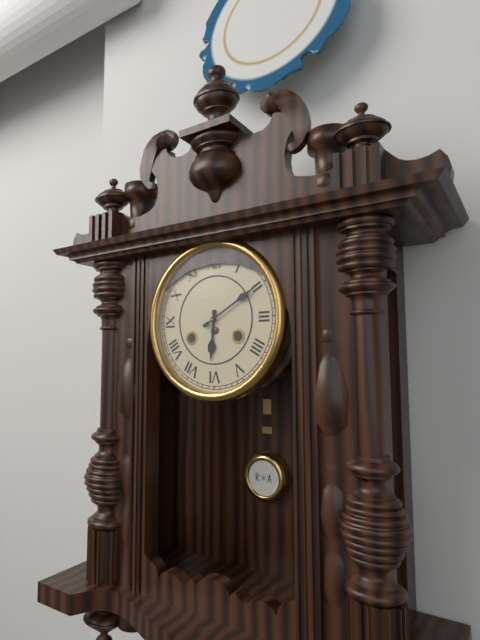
{"hour": 6, "minute": 10}
